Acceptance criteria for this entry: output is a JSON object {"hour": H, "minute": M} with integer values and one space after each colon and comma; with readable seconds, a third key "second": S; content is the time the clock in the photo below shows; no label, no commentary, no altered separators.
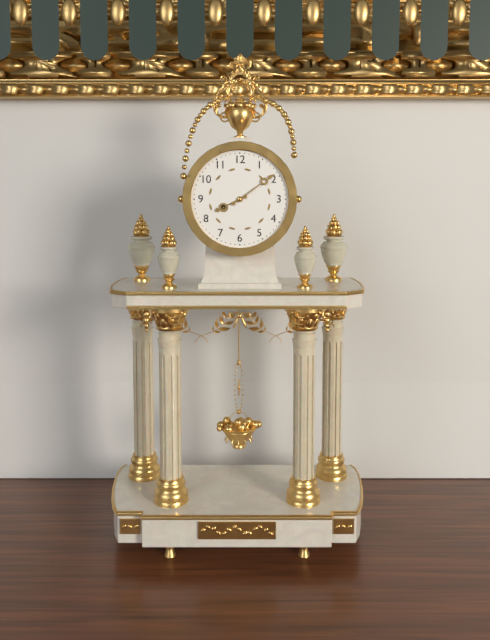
{"hour": 8, "minute": 9}
